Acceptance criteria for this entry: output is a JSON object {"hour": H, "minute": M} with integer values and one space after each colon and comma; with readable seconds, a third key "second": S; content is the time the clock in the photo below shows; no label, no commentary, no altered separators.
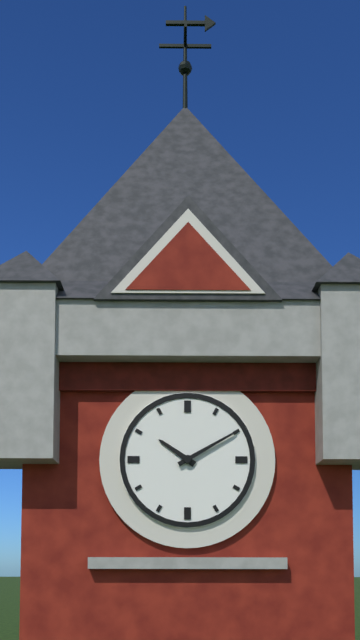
{"hour": 10, "minute": 10}
